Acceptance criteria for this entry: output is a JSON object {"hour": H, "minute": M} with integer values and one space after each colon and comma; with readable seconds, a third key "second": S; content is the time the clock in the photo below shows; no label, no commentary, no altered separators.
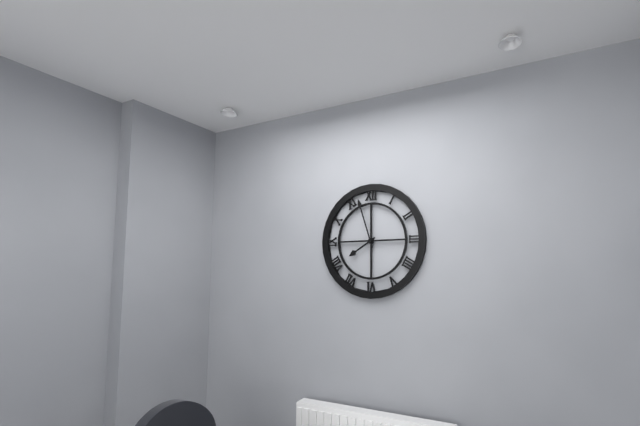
{"hour": 7, "minute": 57}
